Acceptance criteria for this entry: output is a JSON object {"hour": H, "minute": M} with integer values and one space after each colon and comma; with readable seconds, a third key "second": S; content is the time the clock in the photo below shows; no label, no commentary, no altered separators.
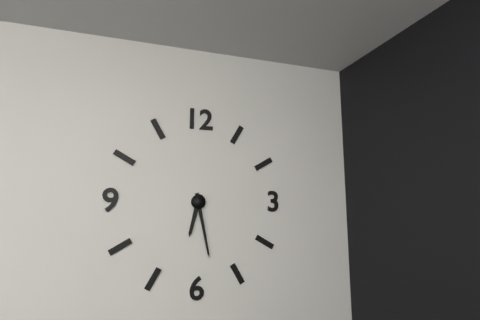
{"hour": 6, "minute": 28}
